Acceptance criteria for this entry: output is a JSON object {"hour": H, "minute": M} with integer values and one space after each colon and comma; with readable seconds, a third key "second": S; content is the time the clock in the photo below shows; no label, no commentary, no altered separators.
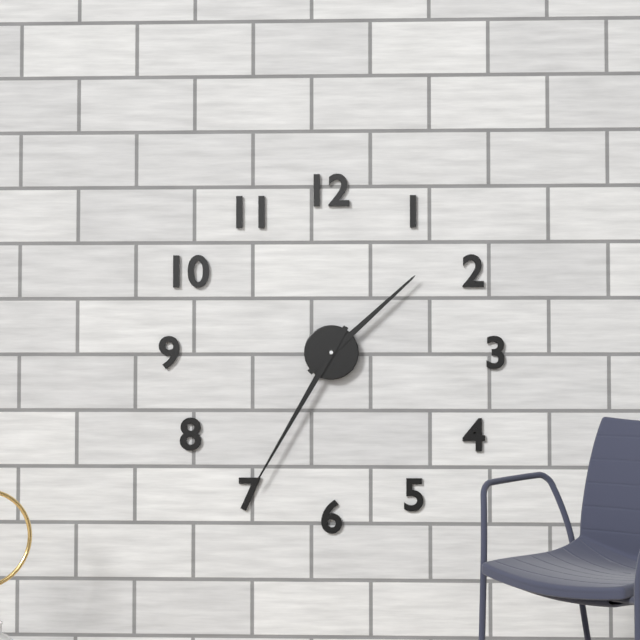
{"hour": 1, "minute": 35}
